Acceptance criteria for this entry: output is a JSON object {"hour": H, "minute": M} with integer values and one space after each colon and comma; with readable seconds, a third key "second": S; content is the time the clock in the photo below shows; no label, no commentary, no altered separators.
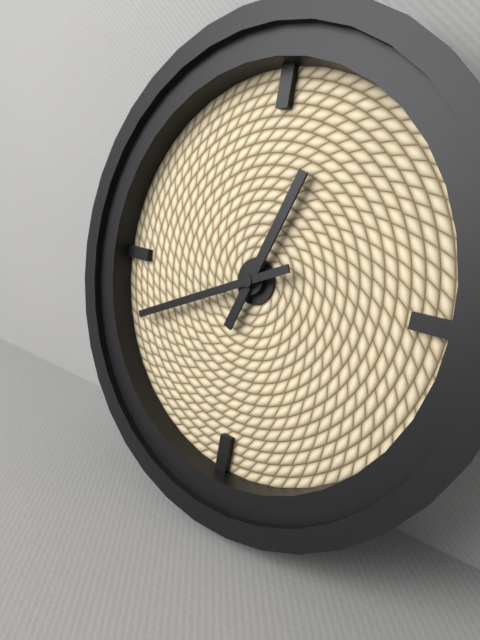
{"hour": 12, "minute": 41}
